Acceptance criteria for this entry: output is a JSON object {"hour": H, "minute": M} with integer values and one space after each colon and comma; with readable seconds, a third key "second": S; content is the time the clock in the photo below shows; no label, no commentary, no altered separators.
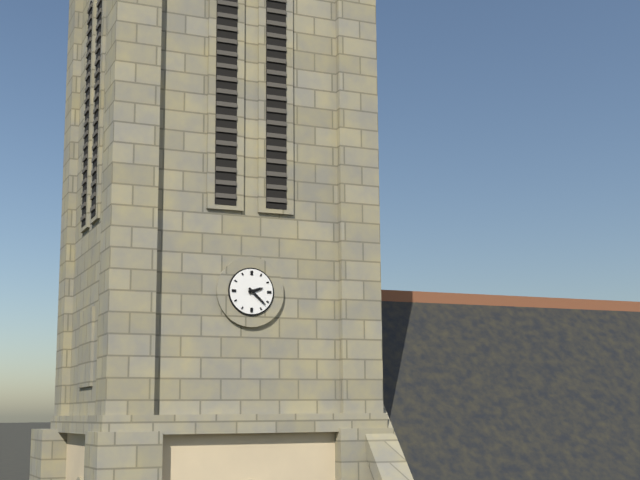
{"hour": 2, "minute": 22}
